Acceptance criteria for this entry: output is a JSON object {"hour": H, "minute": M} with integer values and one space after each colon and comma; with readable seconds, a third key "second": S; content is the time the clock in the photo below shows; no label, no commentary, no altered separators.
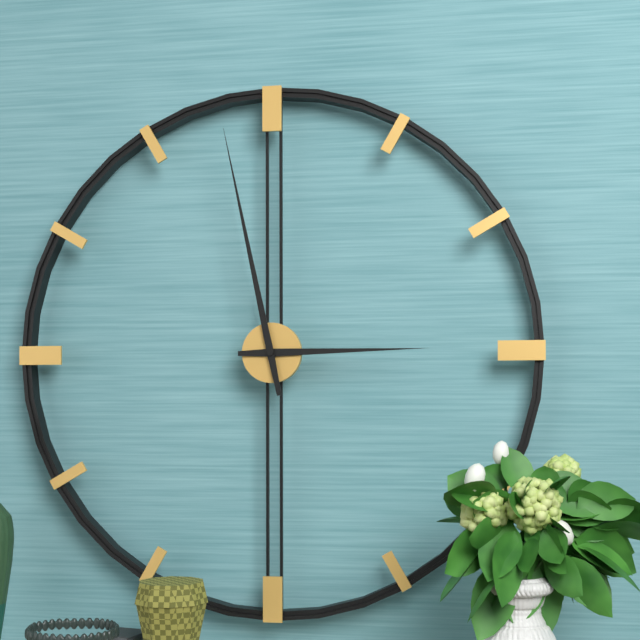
{"hour": 2, "minute": 58}
